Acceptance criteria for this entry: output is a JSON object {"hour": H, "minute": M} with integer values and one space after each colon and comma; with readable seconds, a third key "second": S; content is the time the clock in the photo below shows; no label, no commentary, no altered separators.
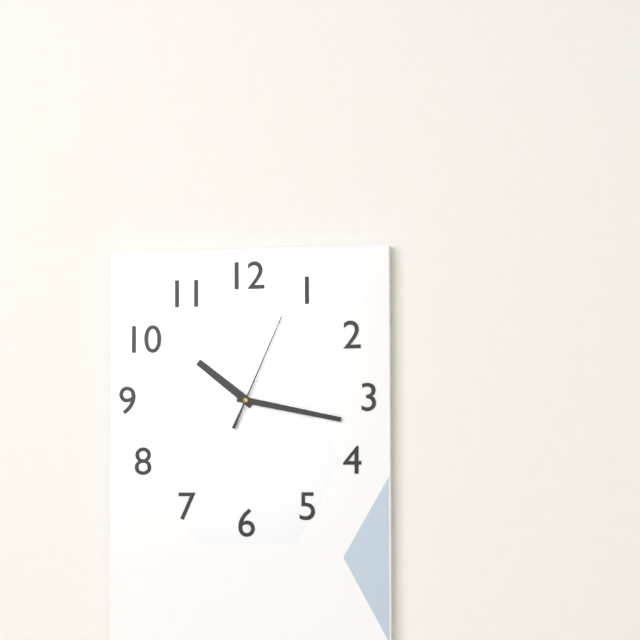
{"hour": 10, "minute": 17, "second": 4}
